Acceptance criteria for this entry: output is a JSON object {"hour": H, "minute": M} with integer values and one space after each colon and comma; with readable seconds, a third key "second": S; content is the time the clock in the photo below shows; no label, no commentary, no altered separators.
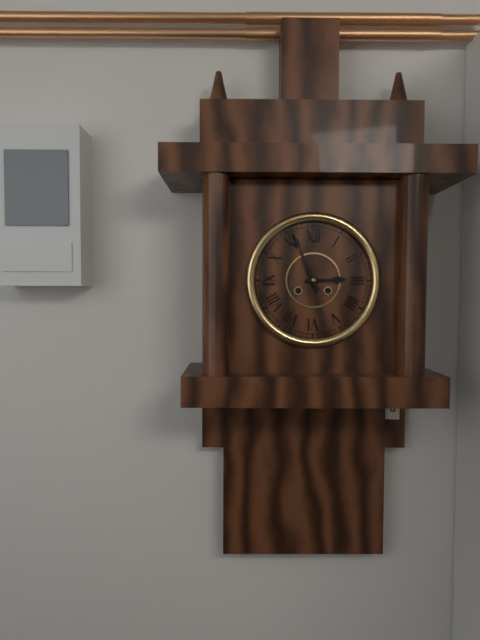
{"hour": 2, "minute": 56}
